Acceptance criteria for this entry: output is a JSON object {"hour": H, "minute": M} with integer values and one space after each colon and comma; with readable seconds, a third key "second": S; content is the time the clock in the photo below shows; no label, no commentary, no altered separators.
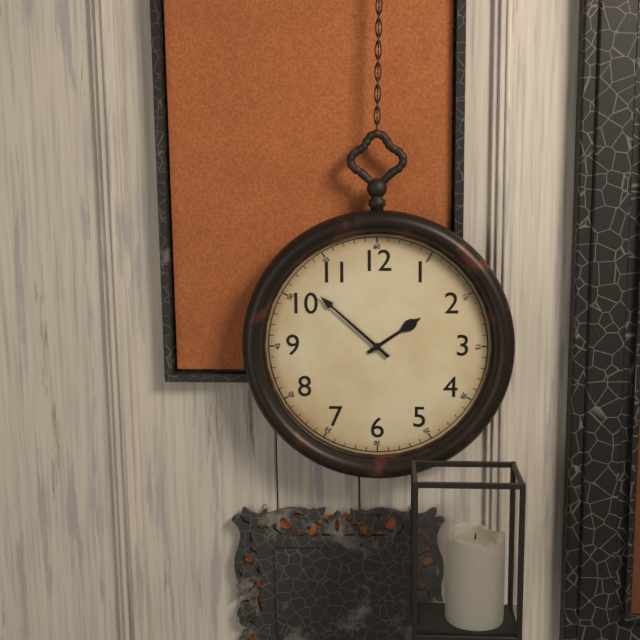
{"hour": 1, "minute": 52}
